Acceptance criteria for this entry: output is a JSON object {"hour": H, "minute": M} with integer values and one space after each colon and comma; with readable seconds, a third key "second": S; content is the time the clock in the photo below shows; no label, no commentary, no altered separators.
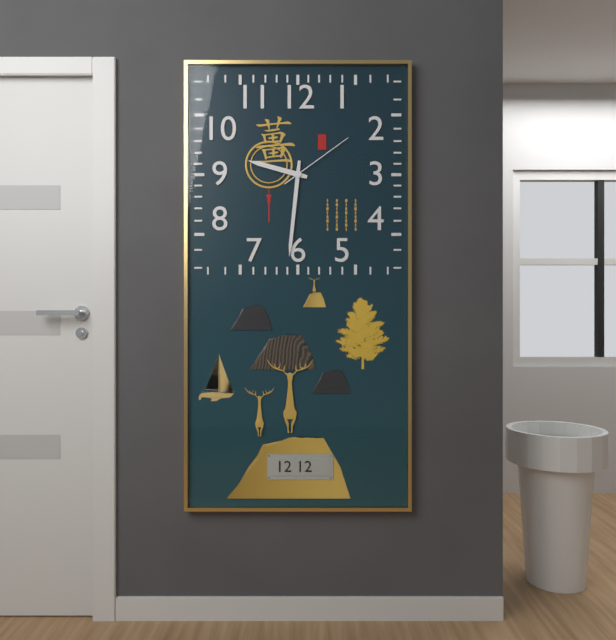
{"hour": 9, "minute": 31, "second": 9}
